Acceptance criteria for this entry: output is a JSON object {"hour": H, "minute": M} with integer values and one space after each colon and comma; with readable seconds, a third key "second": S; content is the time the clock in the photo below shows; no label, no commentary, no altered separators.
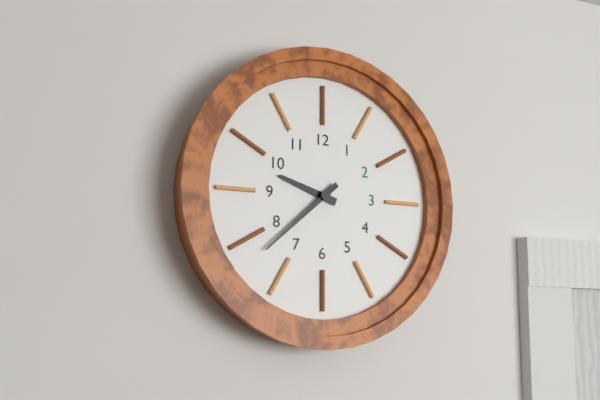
{"hour": 9, "minute": 38}
